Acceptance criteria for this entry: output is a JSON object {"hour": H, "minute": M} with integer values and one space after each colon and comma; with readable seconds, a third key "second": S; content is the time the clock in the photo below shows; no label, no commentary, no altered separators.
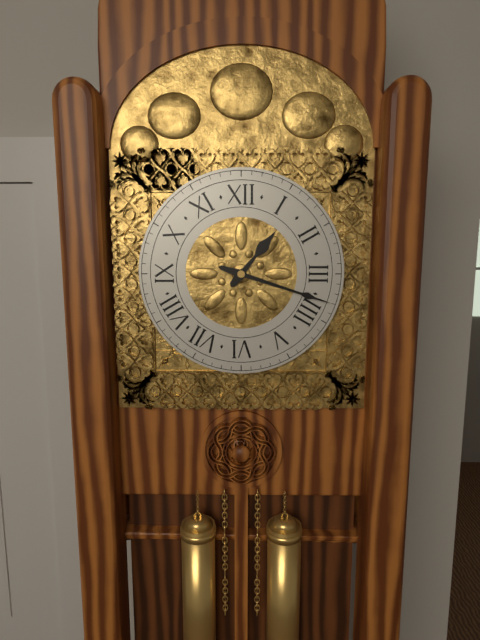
{"hour": 1, "minute": 18}
